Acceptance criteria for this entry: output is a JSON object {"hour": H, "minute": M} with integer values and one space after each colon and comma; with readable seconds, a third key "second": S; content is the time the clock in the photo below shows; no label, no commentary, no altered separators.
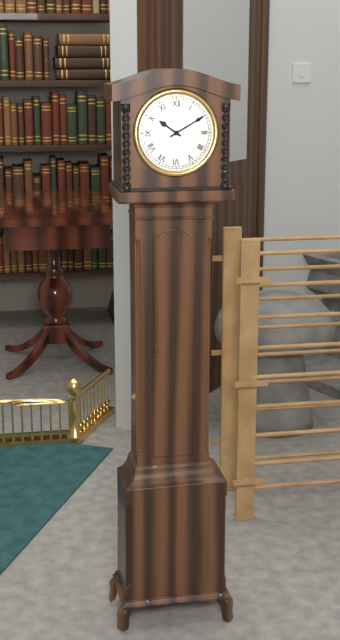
{"hour": 10, "minute": 10}
